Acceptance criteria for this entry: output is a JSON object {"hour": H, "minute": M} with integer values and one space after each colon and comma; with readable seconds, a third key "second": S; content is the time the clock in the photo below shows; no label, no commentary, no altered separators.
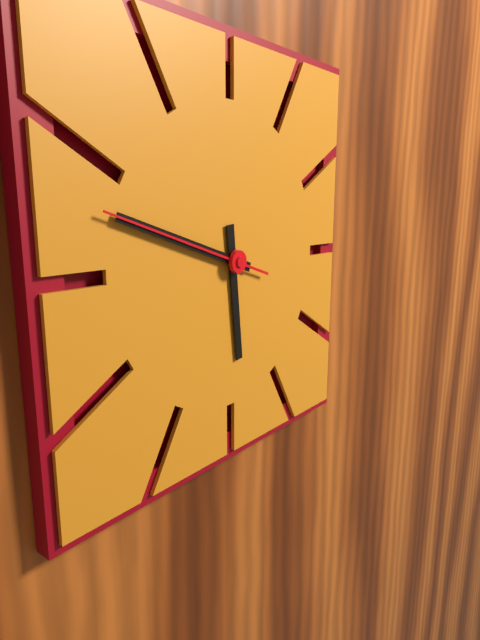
{"hour": 5, "minute": 48, "second": 48}
